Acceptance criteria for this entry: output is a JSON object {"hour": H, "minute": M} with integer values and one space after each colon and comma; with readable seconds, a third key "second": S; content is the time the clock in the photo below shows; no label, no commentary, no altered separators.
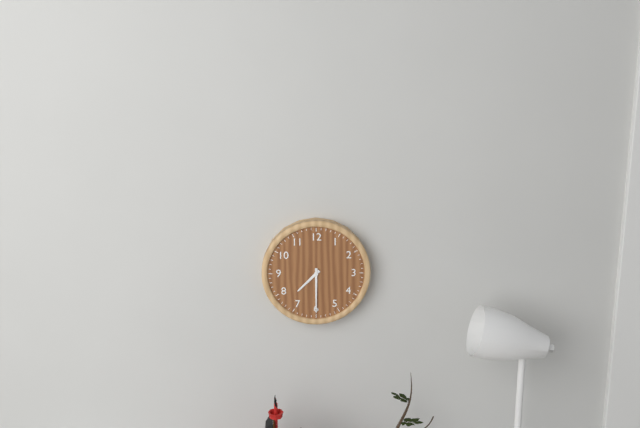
{"hour": 7, "minute": 30}
